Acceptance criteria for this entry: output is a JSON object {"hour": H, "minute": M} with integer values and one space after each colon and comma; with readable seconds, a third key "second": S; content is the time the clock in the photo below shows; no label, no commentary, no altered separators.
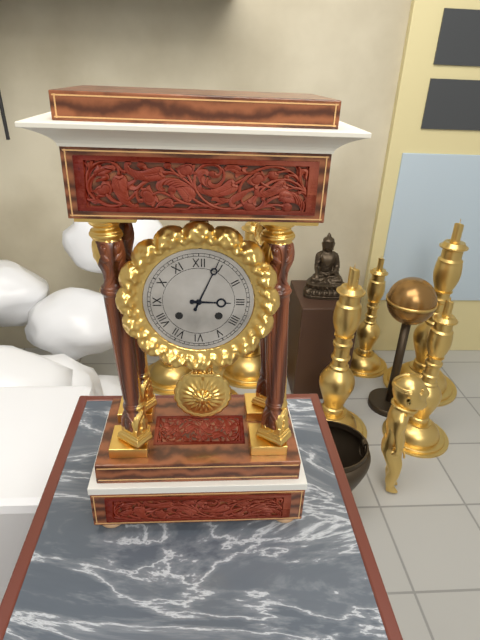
{"hour": 3, "minute": 4}
